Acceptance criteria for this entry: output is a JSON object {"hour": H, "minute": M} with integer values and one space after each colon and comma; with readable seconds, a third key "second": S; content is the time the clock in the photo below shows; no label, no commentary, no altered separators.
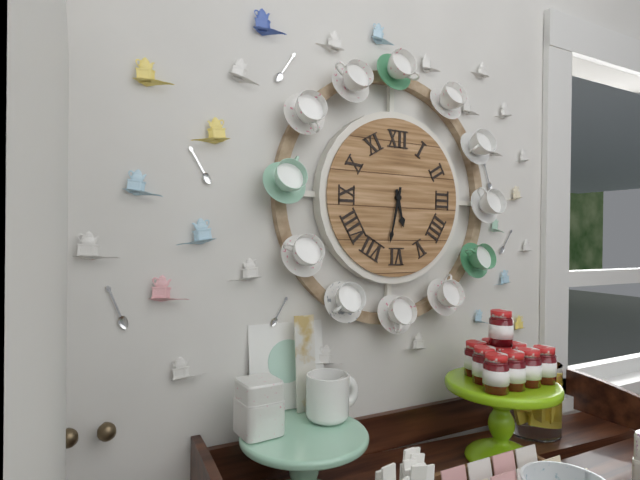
{"hour": 5, "minute": 32}
